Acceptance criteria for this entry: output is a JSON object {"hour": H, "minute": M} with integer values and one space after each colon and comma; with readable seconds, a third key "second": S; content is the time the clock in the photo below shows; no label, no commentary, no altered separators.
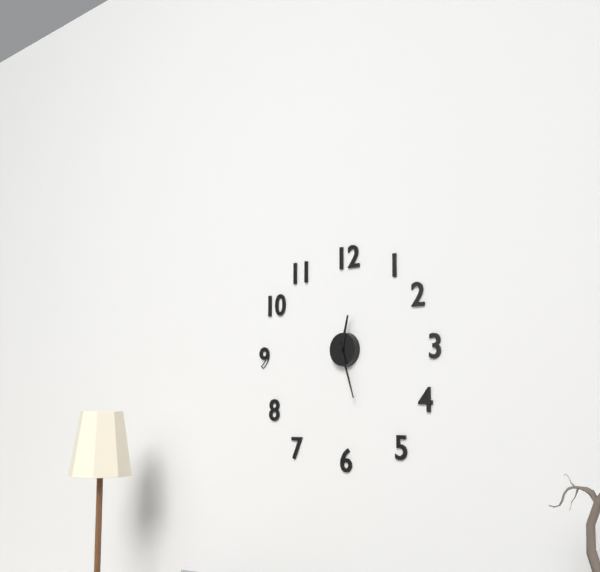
{"hour": 12, "minute": 27}
